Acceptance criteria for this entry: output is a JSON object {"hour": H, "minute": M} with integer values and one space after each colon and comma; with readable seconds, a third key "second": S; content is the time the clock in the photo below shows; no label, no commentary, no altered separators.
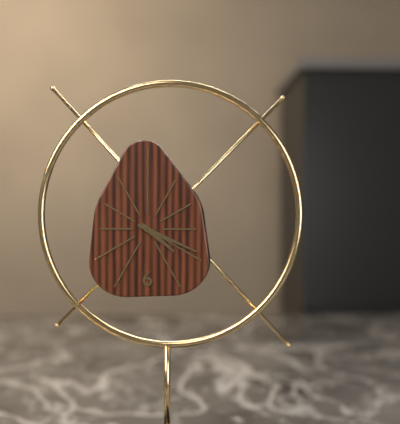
{"hour": 4, "minute": 19}
